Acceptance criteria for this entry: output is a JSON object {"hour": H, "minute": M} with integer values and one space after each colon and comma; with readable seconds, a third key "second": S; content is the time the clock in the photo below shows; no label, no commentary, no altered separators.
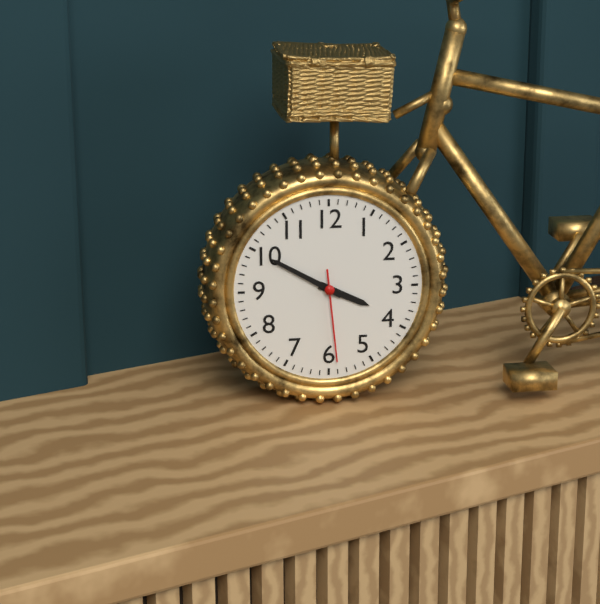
{"hour": 3, "minute": 50, "second": 29}
